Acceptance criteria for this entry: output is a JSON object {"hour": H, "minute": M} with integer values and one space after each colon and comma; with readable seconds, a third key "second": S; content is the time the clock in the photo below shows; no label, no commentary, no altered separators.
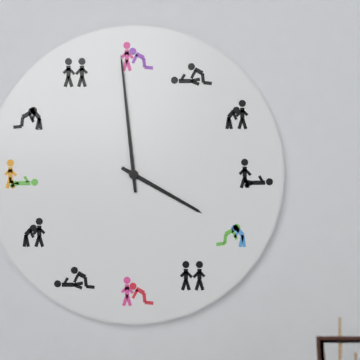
{"hour": 3, "minute": 59}
